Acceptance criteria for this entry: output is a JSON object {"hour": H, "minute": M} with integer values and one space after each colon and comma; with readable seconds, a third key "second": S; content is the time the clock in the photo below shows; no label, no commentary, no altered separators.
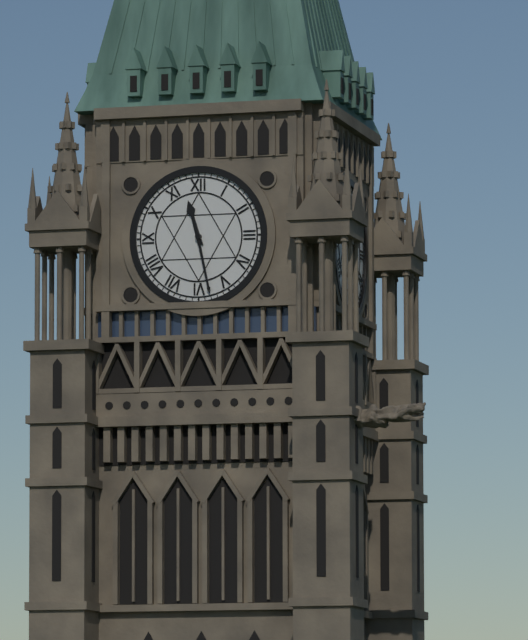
{"hour": 11, "minute": 28}
